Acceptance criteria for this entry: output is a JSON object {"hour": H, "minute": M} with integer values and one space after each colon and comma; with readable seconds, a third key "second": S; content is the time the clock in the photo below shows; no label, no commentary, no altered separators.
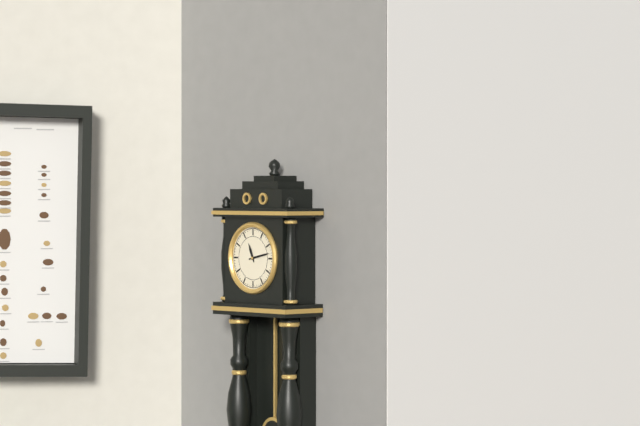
{"hour": 11, "minute": 13}
